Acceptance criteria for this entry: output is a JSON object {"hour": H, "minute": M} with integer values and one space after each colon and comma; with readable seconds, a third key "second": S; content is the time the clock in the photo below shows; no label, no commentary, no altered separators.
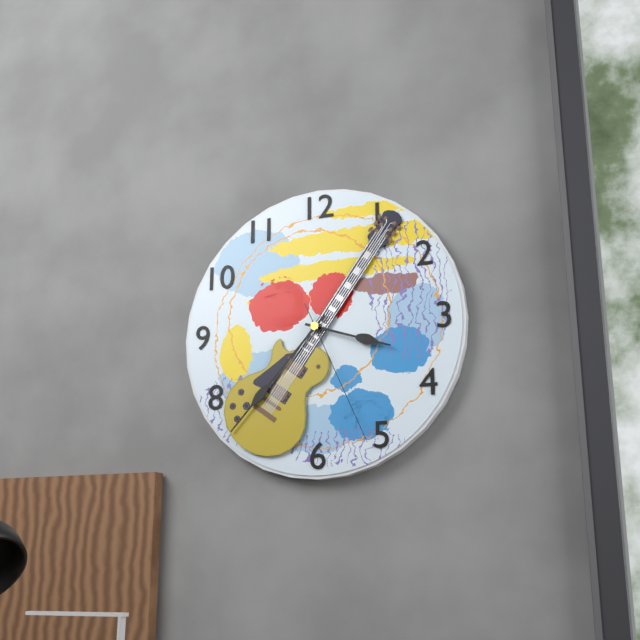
{"hour": 3, "minute": 37, "second": 26}
